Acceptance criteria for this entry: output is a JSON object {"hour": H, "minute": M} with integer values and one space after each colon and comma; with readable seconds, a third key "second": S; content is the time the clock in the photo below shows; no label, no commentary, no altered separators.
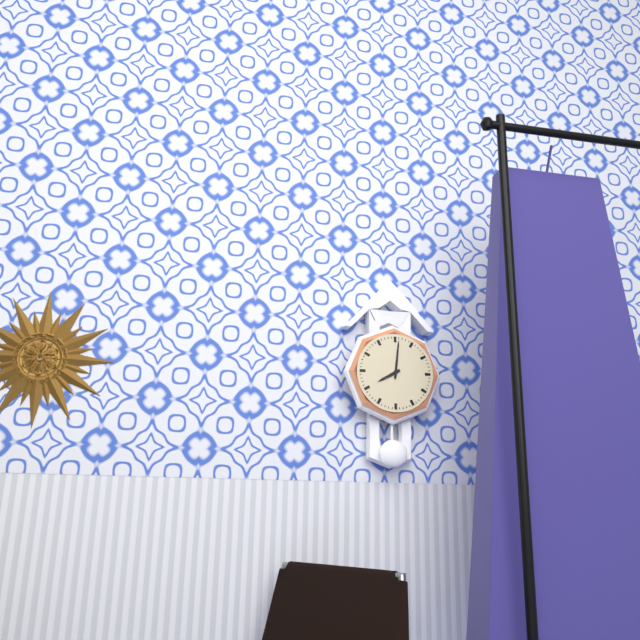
{"hour": 8, "minute": 1}
